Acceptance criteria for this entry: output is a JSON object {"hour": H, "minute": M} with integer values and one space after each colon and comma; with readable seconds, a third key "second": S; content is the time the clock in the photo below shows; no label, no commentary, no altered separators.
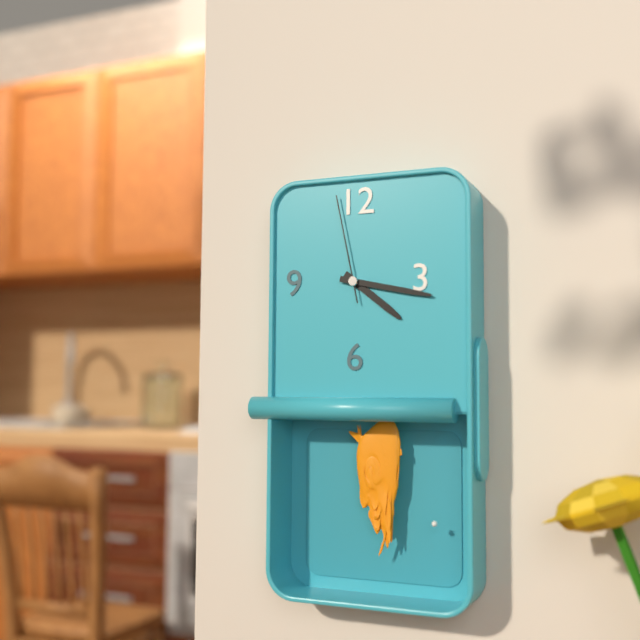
{"hour": 4, "minute": 17, "second": 58}
